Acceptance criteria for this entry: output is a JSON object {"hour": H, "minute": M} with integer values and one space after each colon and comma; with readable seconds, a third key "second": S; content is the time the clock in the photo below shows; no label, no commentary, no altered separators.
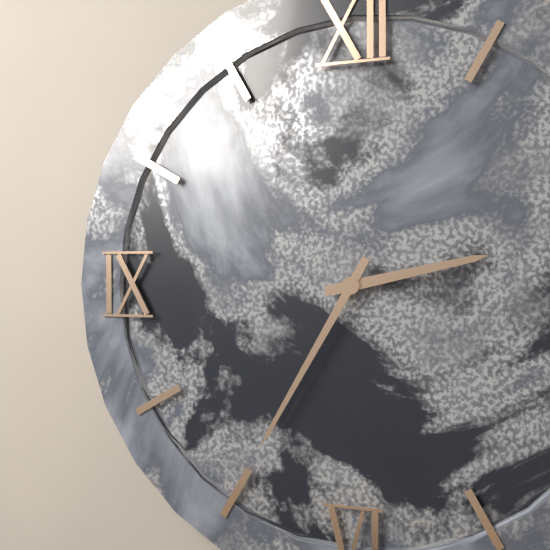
{"hour": 2, "minute": 35}
